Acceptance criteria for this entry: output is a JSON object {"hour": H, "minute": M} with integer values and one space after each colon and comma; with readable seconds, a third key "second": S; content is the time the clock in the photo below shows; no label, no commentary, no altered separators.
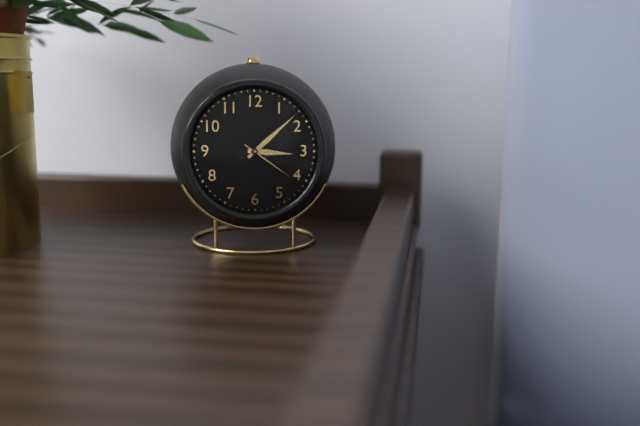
{"hour": 3, "minute": 8, "second": 21}
